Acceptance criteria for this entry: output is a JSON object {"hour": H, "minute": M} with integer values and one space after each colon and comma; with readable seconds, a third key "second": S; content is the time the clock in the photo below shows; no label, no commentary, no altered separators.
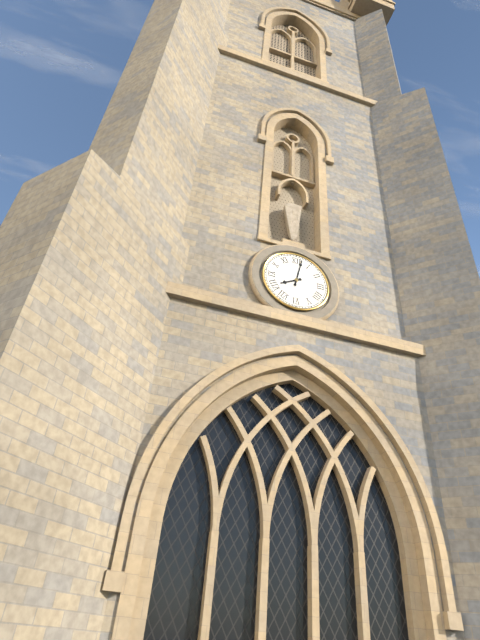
{"hour": 8, "minute": 2}
